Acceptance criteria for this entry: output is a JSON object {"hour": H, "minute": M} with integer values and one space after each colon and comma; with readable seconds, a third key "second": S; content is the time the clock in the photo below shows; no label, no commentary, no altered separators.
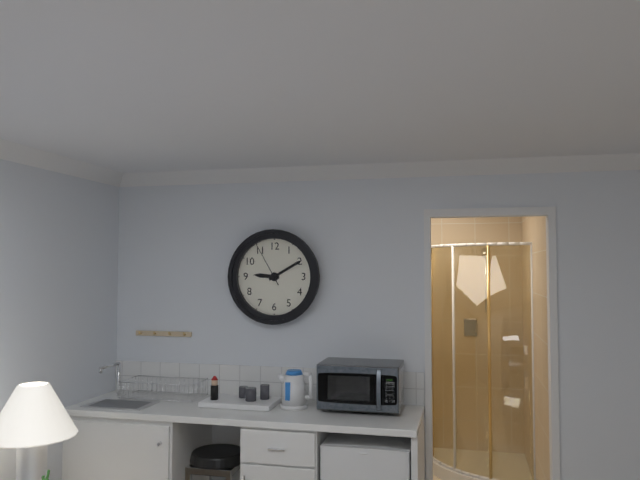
{"hour": 9, "minute": 10}
